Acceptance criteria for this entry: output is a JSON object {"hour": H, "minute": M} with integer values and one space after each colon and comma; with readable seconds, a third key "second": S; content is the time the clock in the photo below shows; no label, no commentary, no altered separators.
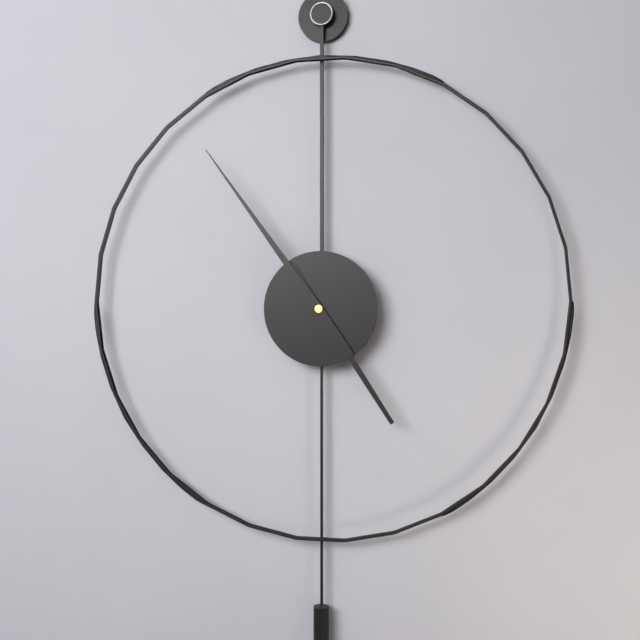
{"hour": 4, "minute": 54}
